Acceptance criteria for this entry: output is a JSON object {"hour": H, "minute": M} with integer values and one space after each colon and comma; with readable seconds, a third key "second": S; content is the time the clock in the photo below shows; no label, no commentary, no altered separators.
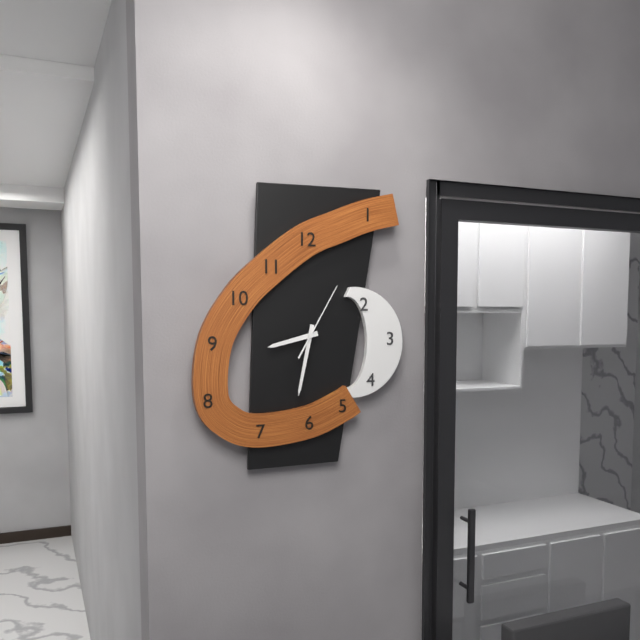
{"hour": 8, "minute": 32, "second": 5}
